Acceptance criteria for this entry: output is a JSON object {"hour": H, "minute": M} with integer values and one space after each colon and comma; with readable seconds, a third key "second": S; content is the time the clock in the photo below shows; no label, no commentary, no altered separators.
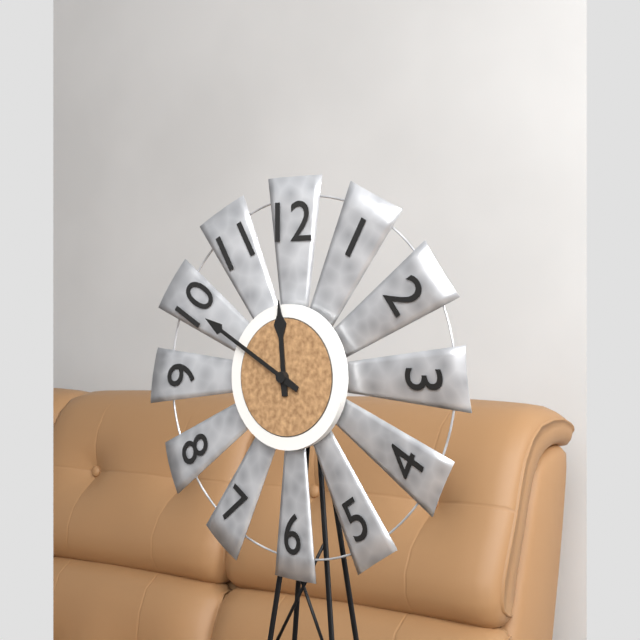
{"hour": 11, "minute": 50}
